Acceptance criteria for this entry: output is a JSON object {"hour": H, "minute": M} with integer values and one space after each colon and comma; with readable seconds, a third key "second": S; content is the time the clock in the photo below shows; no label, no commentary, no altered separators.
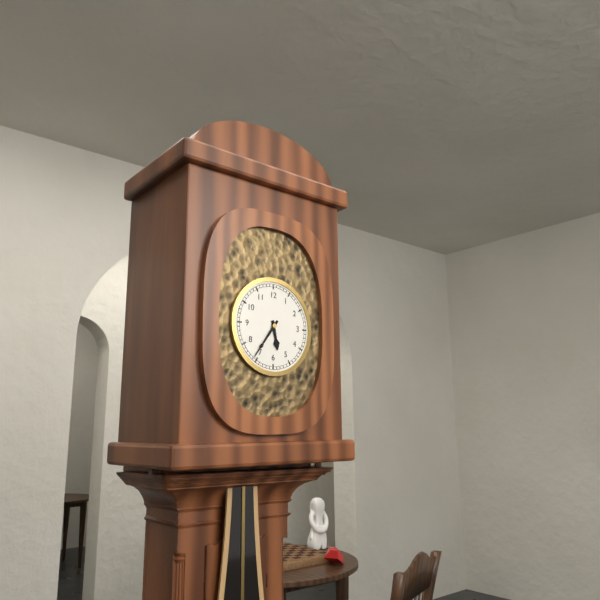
{"hour": 5, "minute": 36}
